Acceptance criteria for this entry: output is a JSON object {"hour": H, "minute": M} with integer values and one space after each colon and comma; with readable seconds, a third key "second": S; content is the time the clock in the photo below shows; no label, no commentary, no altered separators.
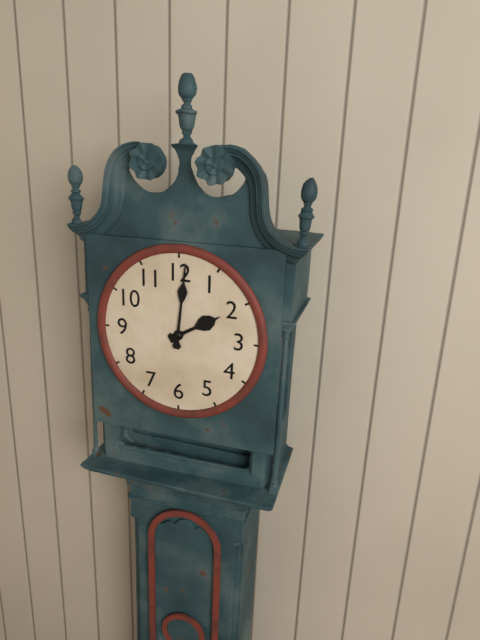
{"hour": 2, "minute": 1}
